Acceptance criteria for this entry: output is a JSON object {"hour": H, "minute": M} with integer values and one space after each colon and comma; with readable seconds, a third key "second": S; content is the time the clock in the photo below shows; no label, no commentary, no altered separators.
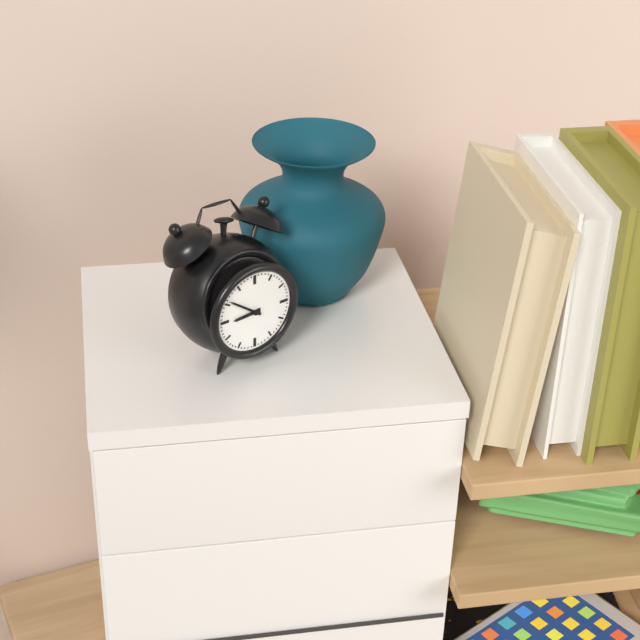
{"hour": 8, "minute": 51}
